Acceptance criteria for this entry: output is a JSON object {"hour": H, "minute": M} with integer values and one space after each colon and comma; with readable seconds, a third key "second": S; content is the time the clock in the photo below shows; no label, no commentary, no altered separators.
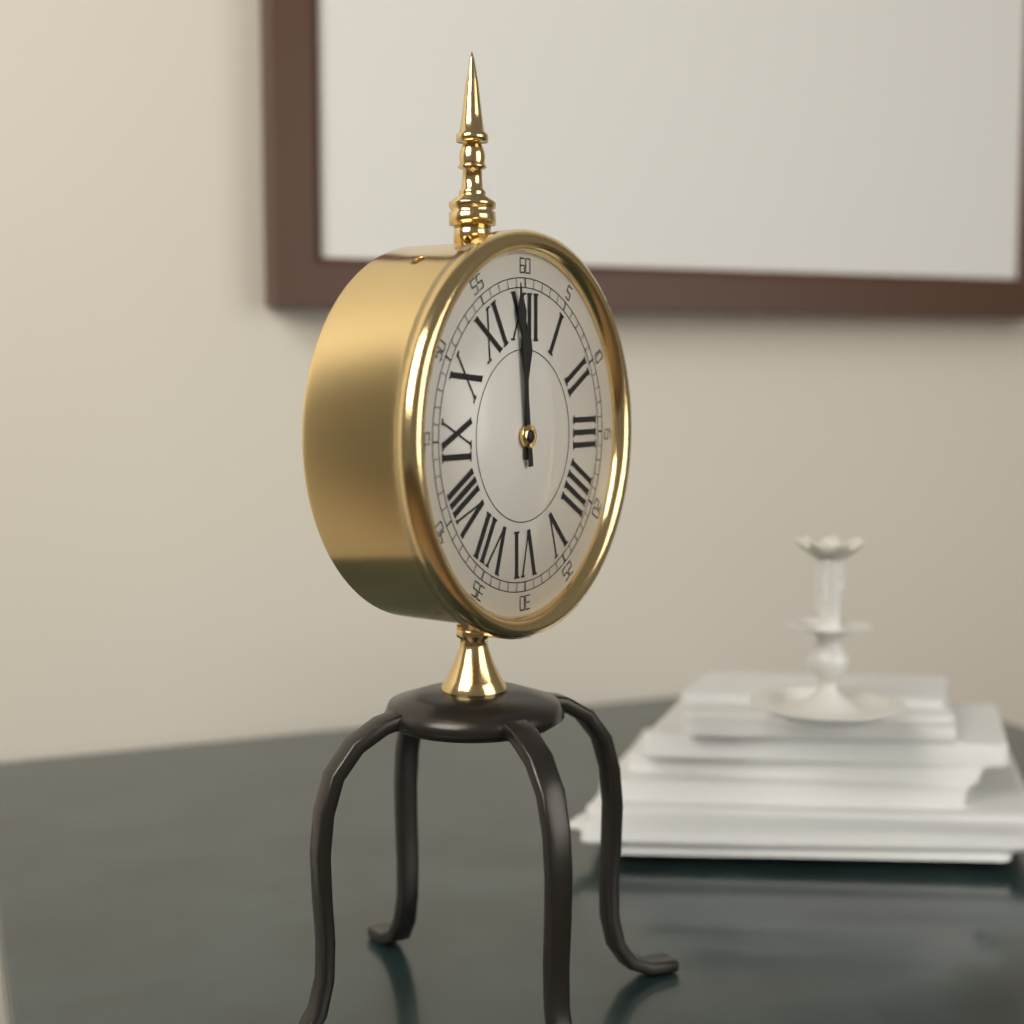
{"hour": 11, "minute": 59}
